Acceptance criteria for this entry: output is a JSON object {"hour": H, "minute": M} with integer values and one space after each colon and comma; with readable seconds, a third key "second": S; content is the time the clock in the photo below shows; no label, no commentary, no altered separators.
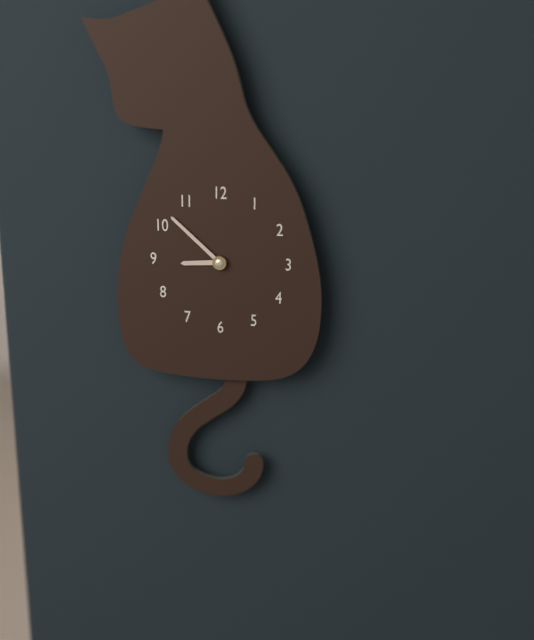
{"hour": 8, "minute": 52}
